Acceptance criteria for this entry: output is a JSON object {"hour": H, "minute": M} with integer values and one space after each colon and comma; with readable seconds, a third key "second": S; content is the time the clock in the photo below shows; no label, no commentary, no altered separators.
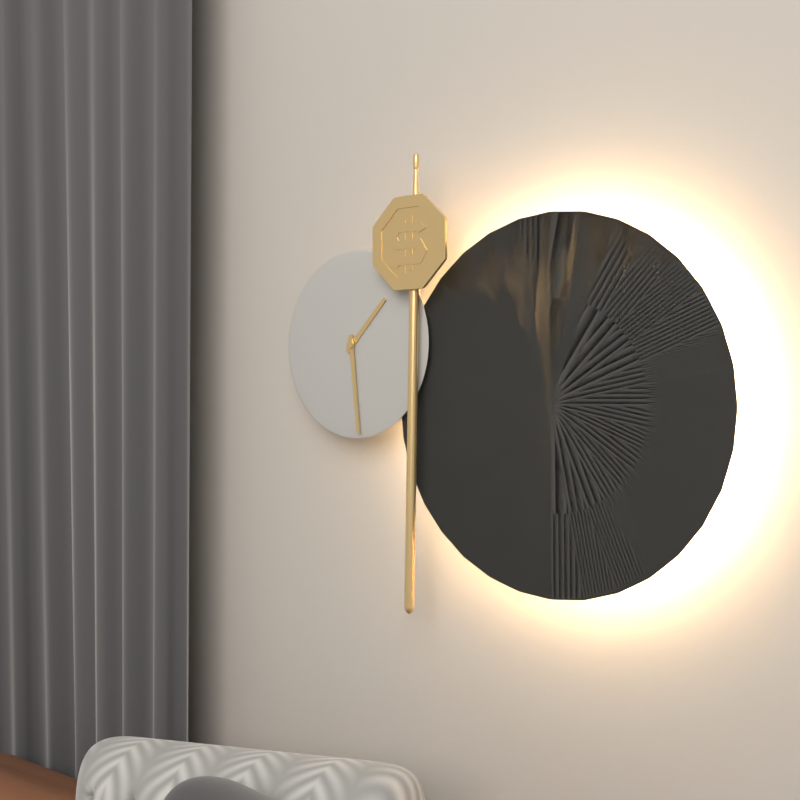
{"hour": 1, "minute": 29}
